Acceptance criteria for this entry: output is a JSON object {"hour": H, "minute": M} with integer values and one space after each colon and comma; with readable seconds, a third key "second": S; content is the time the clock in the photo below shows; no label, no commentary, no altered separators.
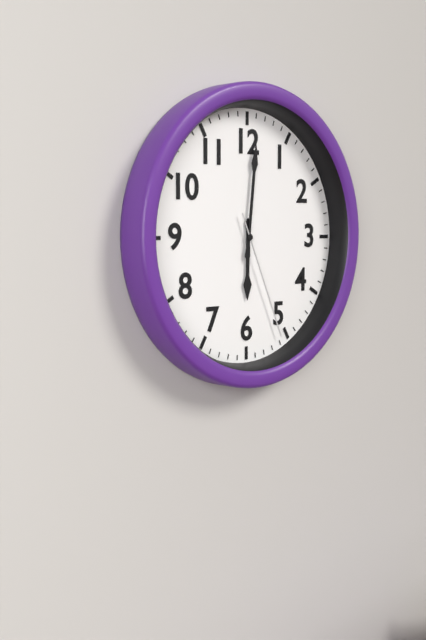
{"hour": 6, "minute": 1, "second": 26}
